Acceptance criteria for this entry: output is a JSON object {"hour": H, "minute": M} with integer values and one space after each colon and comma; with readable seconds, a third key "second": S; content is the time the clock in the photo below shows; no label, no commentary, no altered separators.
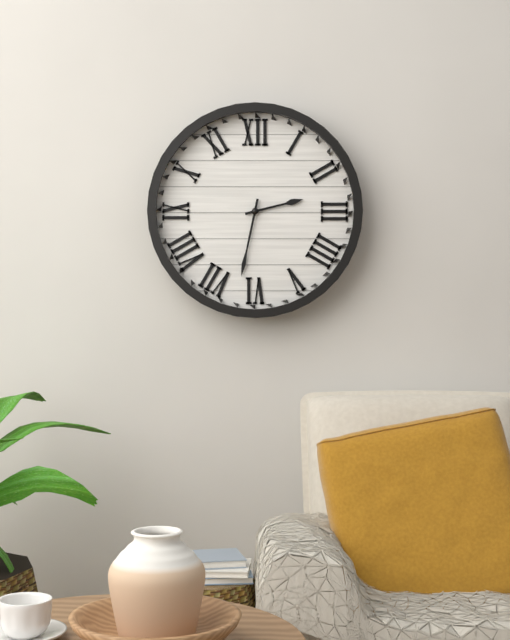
{"hour": 2, "minute": 32}
